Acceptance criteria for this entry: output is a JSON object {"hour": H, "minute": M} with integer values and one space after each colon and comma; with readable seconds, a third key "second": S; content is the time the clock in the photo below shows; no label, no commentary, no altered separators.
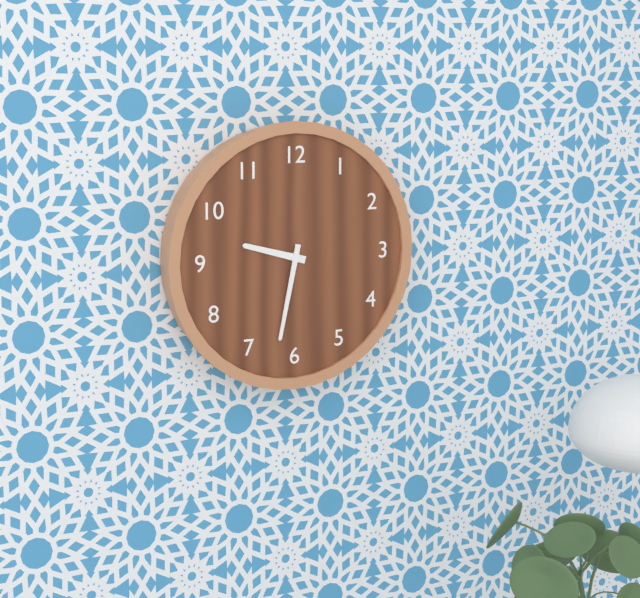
{"hour": 9, "minute": 32}
